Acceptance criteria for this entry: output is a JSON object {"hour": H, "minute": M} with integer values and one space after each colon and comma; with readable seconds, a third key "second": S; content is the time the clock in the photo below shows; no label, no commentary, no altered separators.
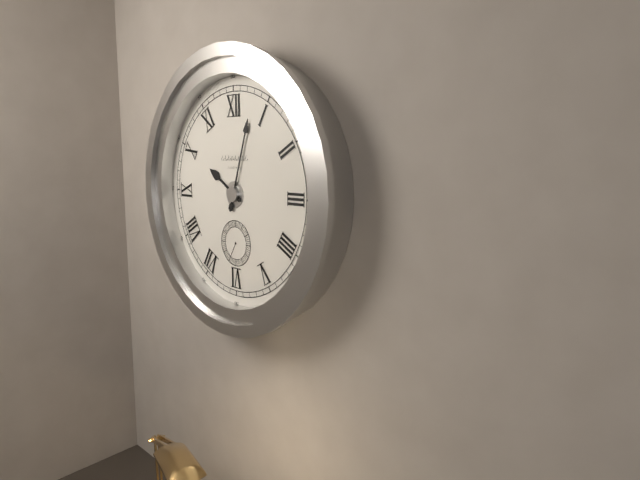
{"hour": 10, "minute": 3}
